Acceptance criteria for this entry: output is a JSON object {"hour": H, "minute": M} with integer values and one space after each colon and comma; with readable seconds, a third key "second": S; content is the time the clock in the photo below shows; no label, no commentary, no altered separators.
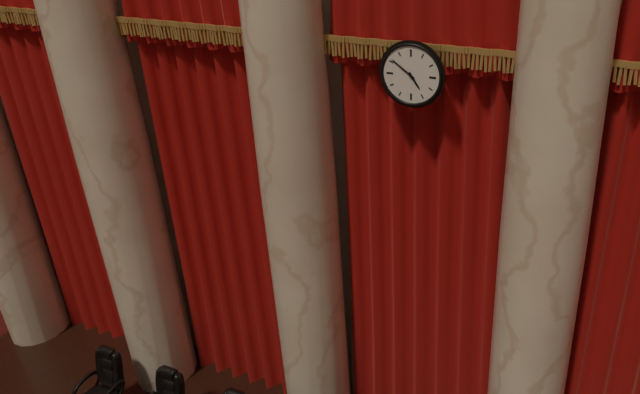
{"hour": 4, "minute": 51}
